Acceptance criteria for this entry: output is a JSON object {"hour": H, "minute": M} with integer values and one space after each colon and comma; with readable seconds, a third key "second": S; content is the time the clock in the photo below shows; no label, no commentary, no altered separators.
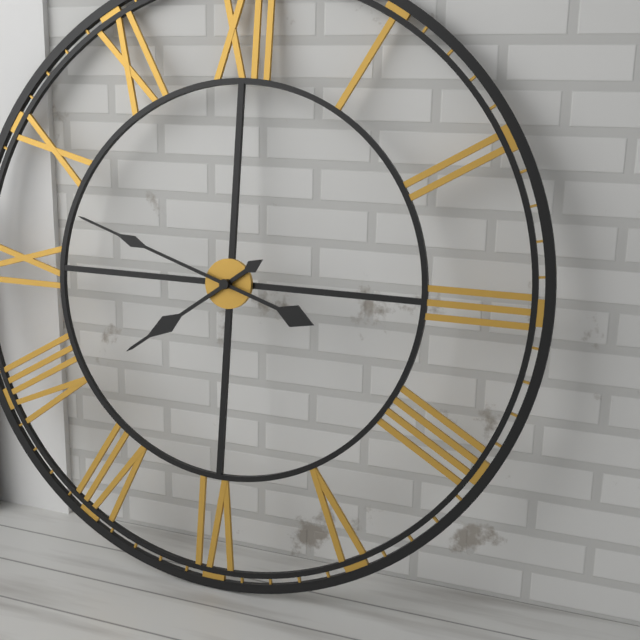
{"hour": 7, "minute": 48}
